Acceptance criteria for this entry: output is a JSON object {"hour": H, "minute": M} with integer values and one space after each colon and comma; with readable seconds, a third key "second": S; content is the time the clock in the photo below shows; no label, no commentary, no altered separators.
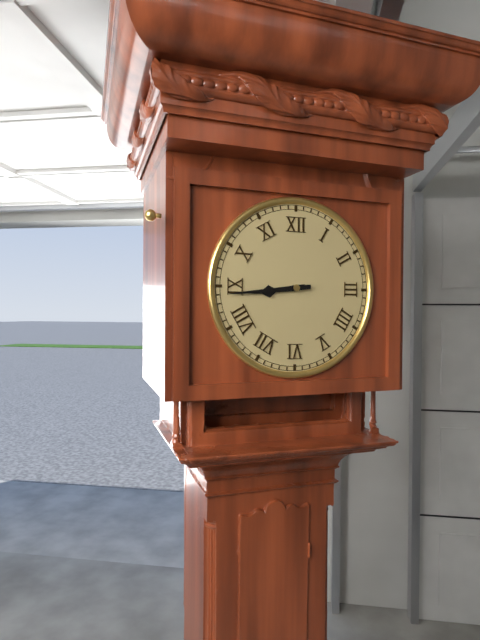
{"hour": 8, "minute": 44}
